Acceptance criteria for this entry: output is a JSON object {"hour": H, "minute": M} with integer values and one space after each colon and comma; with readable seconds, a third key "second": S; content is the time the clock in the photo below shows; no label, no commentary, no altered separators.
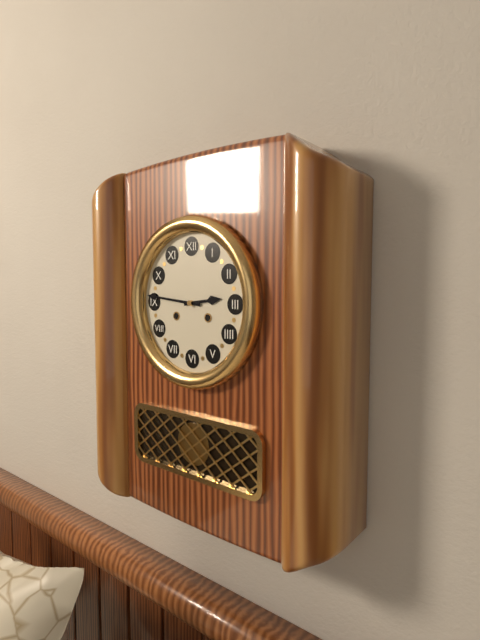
{"hour": 2, "minute": 46}
